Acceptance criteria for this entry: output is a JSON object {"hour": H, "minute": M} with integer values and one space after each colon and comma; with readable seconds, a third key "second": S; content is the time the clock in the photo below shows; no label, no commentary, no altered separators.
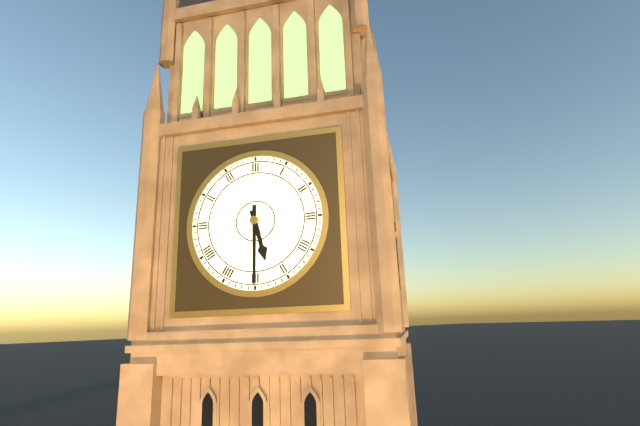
{"hour": 5, "minute": 30}
